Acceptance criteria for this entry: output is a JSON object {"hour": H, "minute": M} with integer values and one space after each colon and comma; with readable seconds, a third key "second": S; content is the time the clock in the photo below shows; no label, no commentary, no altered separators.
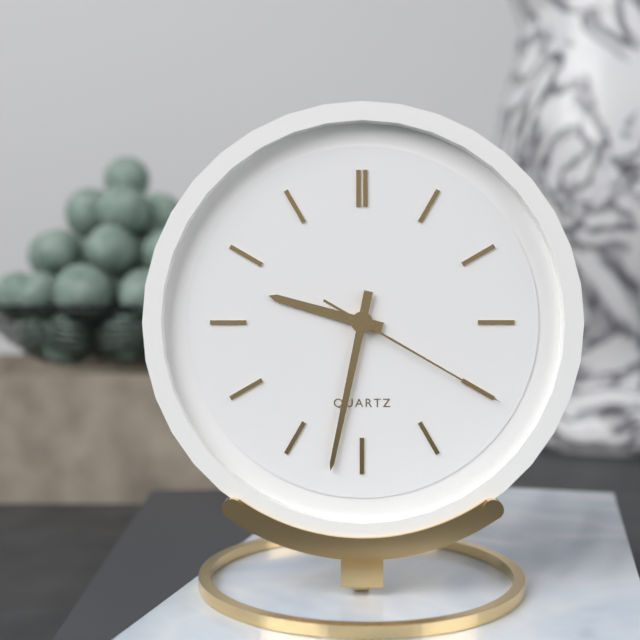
{"hour": 9, "minute": 32, "second": 20}
